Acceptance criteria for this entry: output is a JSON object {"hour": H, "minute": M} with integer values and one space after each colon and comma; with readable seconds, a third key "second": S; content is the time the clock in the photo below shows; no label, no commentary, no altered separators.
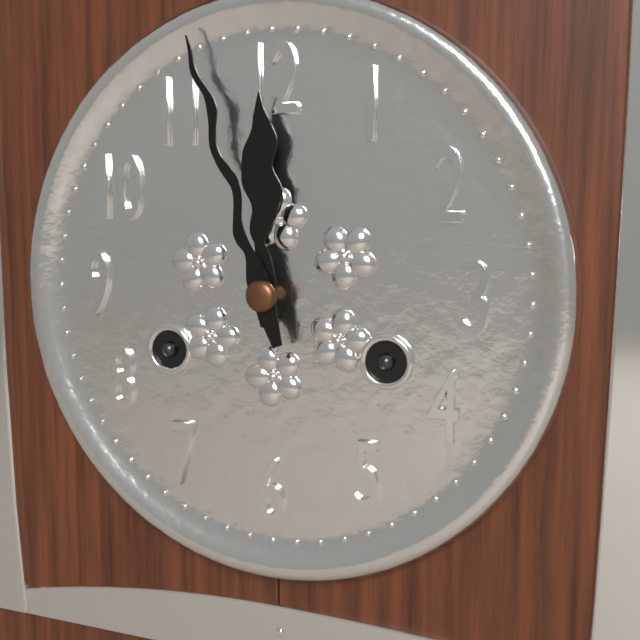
{"hour": 11, "minute": 57}
